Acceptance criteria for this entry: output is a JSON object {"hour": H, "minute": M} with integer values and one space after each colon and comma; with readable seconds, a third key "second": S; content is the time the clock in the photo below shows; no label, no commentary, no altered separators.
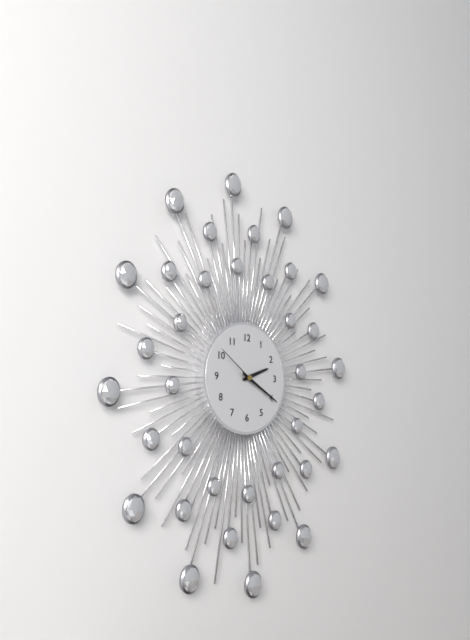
{"hour": 2, "minute": 20, "second": 51}
